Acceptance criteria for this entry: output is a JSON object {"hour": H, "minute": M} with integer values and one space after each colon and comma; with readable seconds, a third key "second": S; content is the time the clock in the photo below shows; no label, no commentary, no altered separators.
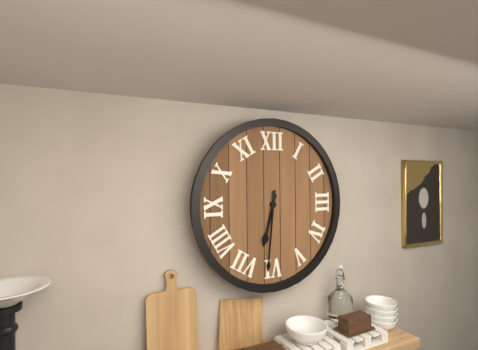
{"hour": 6, "minute": 31}
